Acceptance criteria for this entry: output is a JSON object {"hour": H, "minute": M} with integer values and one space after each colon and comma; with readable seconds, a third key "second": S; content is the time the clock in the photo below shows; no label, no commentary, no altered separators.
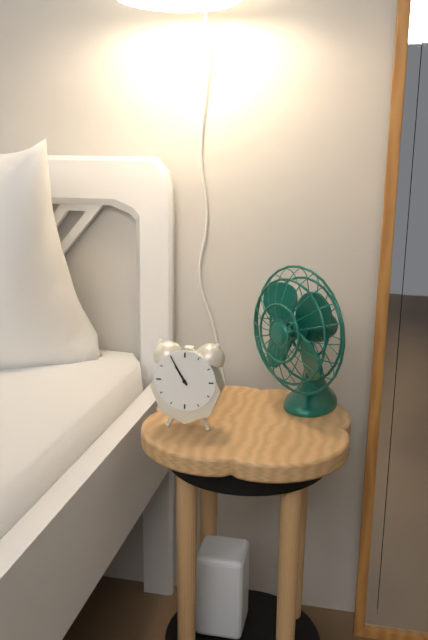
{"hour": 10, "minute": 55}
